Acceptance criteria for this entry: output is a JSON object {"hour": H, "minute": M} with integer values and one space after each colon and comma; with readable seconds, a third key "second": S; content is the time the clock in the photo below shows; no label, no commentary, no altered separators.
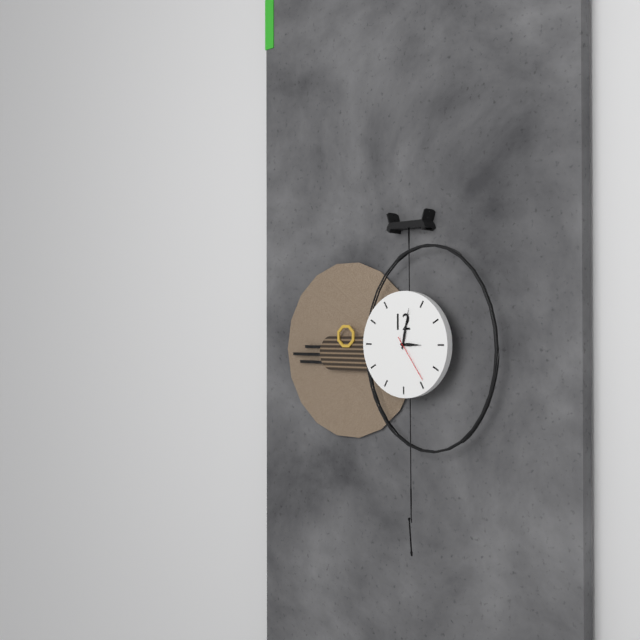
{"hour": 3, "minute": 2, "second": 24}
